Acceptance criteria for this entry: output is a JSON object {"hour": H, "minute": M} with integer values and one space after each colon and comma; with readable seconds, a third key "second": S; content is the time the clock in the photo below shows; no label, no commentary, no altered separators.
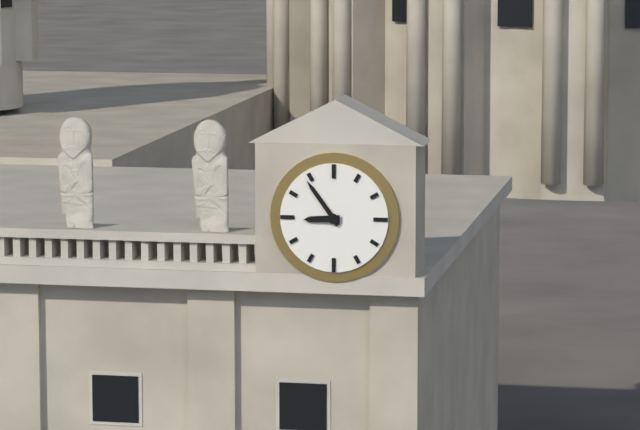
{"hour": 8, "minute": 54}
